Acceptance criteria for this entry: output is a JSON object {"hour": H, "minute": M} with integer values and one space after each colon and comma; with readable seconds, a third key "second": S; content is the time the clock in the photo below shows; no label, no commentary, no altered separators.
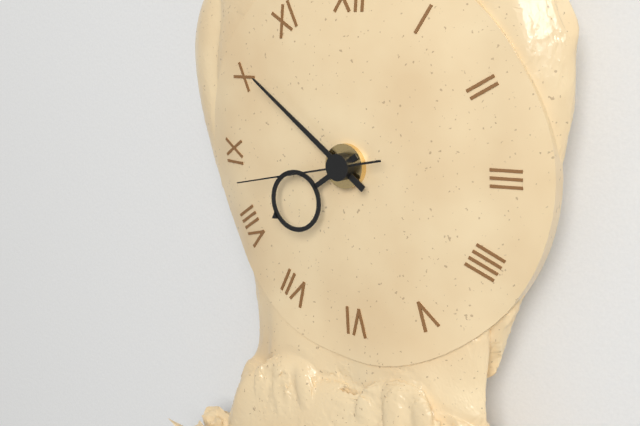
{"hour": 7, "minute": 51, "second": 43}
